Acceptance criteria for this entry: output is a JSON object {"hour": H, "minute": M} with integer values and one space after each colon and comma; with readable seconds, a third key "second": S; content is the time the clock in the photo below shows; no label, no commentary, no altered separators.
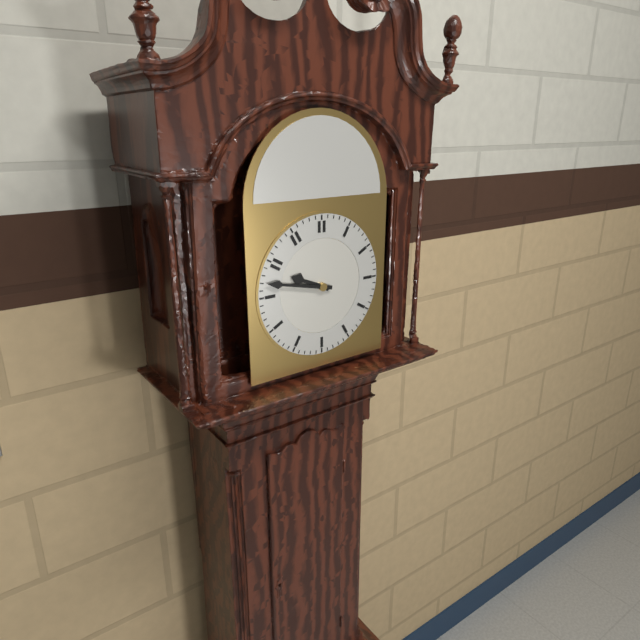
{"hour": 9, "minute": 47}
